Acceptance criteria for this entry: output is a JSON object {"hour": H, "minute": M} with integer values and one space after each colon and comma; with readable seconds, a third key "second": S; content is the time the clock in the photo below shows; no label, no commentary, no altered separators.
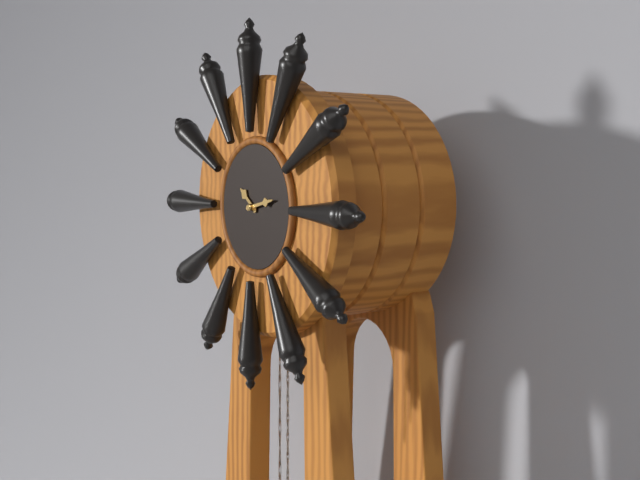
{"hour": 10, "minute": 13}
